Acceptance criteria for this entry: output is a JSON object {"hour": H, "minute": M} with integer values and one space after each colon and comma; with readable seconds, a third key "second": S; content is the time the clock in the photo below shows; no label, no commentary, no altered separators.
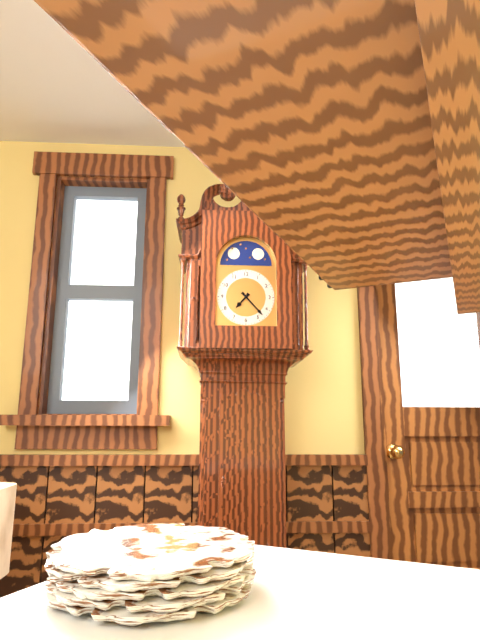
{"hour": 7, "minute": 23}
